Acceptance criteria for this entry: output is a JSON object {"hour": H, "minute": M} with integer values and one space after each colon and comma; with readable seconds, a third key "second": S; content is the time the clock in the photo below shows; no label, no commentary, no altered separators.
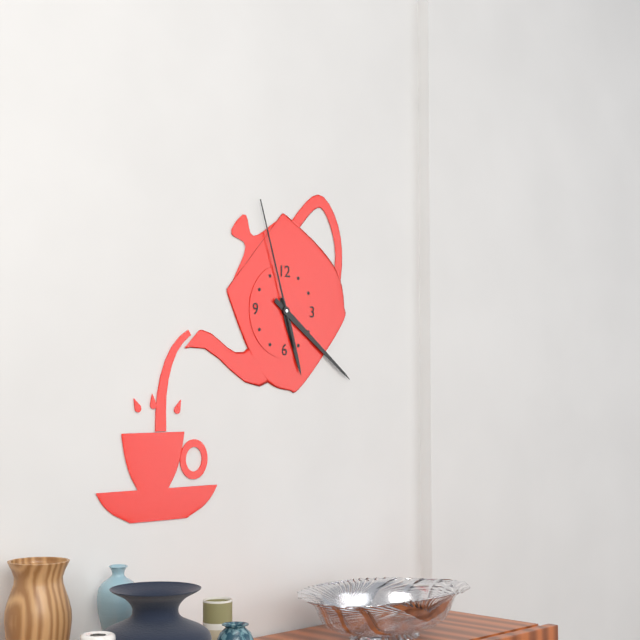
{"hour": 5, "minute": 21, "second": 57}
